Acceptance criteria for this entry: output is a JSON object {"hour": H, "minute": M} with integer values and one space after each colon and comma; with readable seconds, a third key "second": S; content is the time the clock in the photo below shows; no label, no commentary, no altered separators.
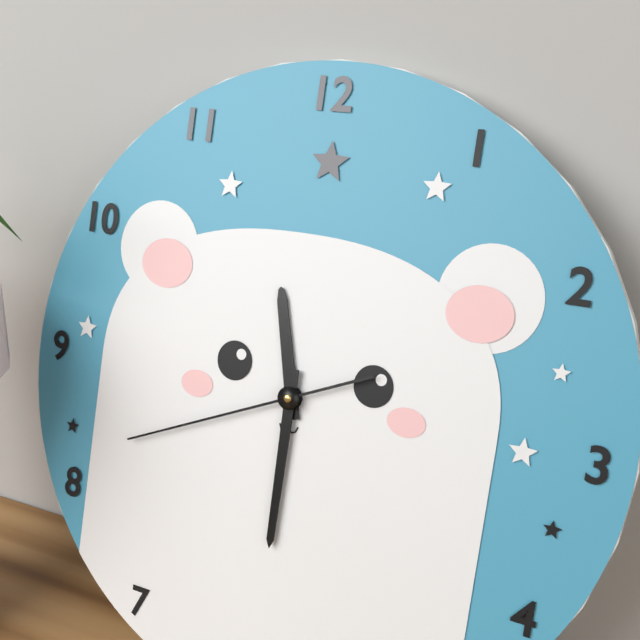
{"hour": 11, "minute": 30, "second": 41}
